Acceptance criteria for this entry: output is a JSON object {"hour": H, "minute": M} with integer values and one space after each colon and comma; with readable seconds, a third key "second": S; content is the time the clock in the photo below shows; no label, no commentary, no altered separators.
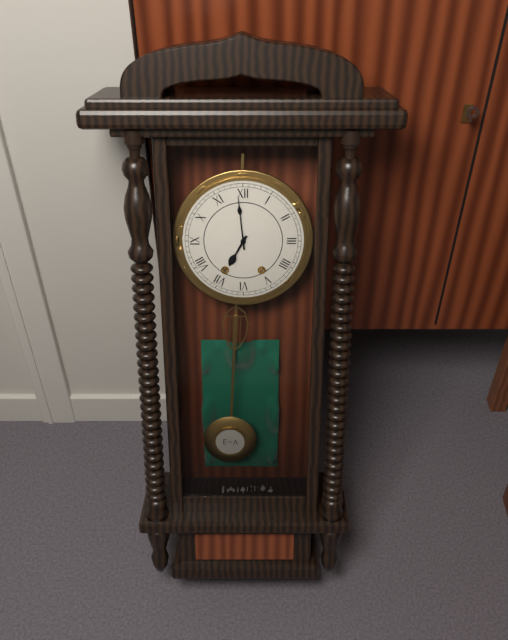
{"hour": 6, "minute": 59}
